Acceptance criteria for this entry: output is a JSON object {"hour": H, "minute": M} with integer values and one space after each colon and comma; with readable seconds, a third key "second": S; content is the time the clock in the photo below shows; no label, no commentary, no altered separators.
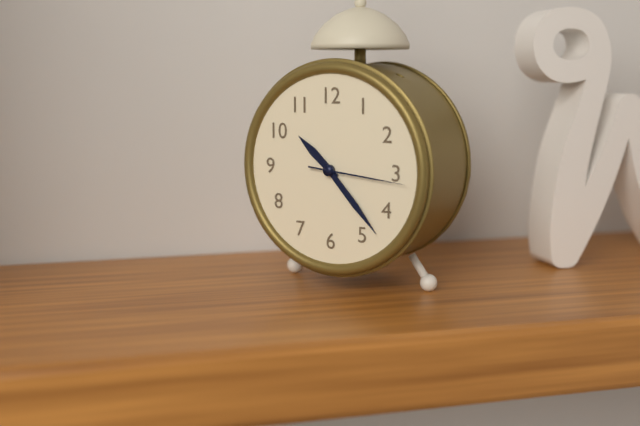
{"hour": 10, "minute": 23, "second": 16}
